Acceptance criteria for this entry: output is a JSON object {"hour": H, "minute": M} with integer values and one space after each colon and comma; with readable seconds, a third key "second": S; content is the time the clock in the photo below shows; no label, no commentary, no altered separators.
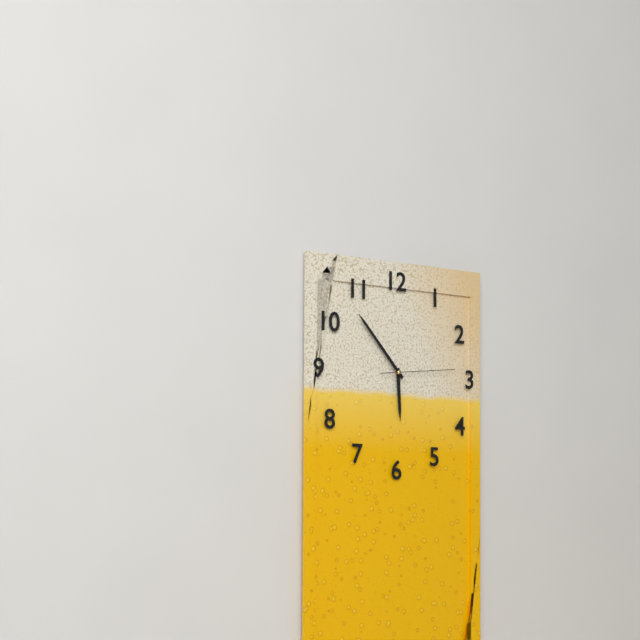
{"hour": 5, "minute": 53, "second": 14}
